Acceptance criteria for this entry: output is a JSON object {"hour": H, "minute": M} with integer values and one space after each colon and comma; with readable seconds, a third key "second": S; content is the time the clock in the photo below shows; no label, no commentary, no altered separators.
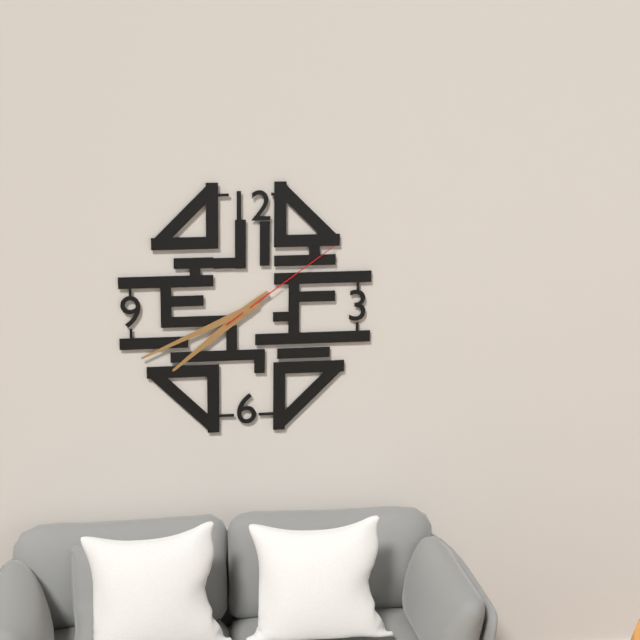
{"hour": 7, "minute": 41, "second": 9}
